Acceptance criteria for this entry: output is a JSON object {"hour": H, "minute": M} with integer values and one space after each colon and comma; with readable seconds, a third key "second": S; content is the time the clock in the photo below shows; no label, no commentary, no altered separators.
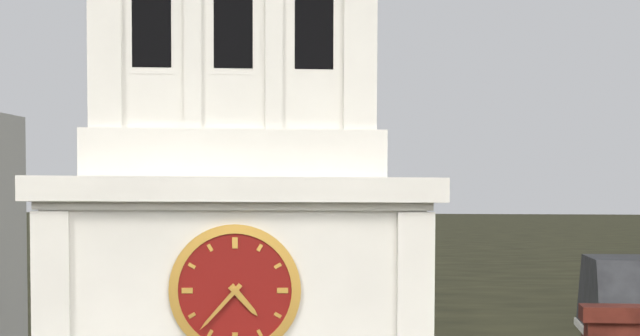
{"hour": 4, "minute": 37}
